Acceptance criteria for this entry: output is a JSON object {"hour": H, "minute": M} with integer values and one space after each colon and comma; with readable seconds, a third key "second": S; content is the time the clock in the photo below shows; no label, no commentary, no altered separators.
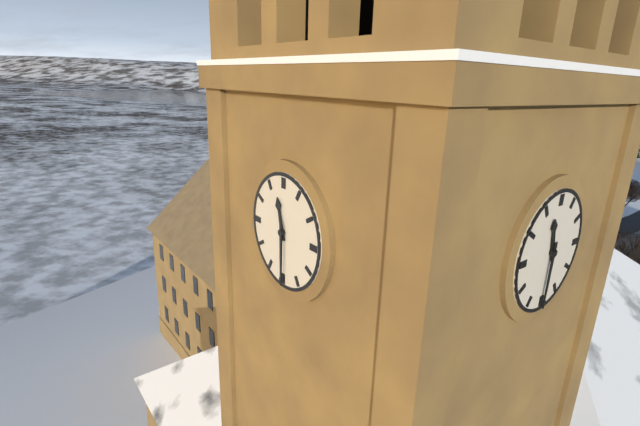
{"hour": 11, "minute": 30}
